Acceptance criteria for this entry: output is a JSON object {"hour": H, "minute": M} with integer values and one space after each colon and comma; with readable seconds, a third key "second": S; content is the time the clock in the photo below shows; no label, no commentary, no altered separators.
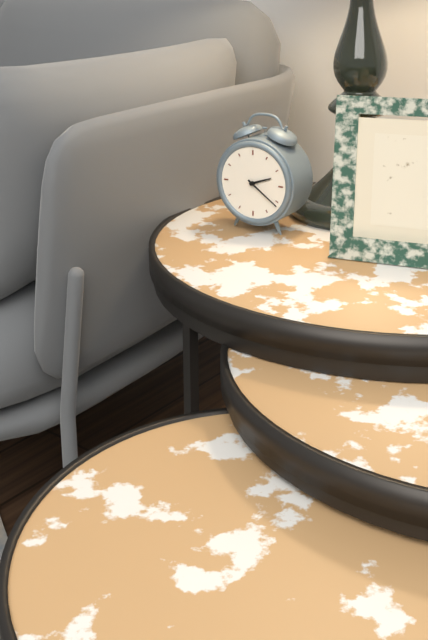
{"hour": 2, "minute": 21}
